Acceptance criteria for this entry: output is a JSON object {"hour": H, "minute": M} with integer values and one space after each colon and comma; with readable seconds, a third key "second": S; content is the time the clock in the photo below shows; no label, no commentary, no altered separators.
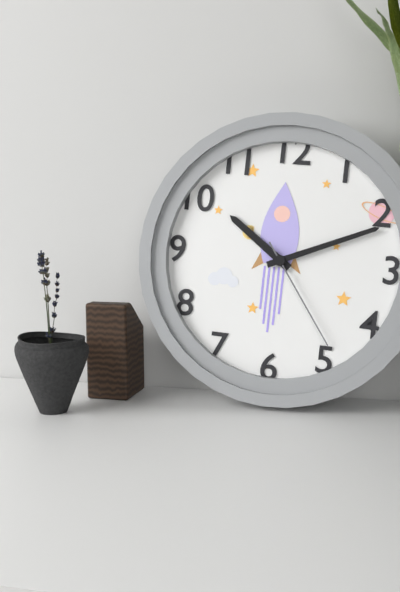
{"hour": 10, "minute": 11, "second": 24}
